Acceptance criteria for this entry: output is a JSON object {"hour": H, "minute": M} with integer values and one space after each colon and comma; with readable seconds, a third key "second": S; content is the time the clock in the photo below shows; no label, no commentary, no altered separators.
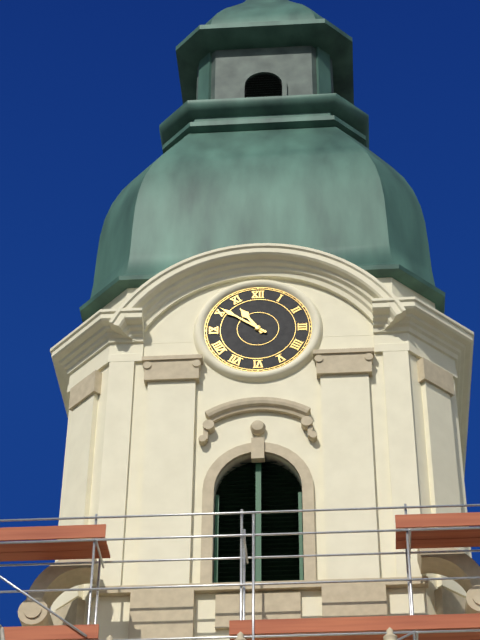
{"hour": 10, "minute": 51}
